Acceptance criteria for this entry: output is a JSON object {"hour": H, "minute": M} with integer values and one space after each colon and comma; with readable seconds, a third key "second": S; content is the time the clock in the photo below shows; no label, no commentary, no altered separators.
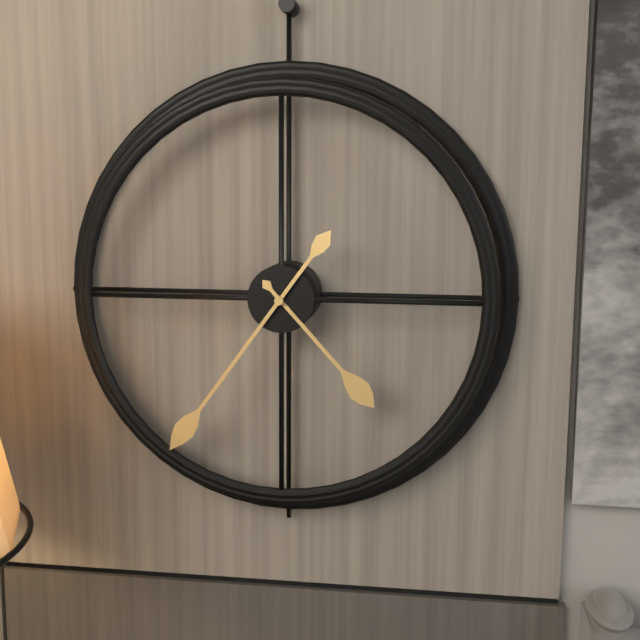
{"hour": 4, "minute": 36}
